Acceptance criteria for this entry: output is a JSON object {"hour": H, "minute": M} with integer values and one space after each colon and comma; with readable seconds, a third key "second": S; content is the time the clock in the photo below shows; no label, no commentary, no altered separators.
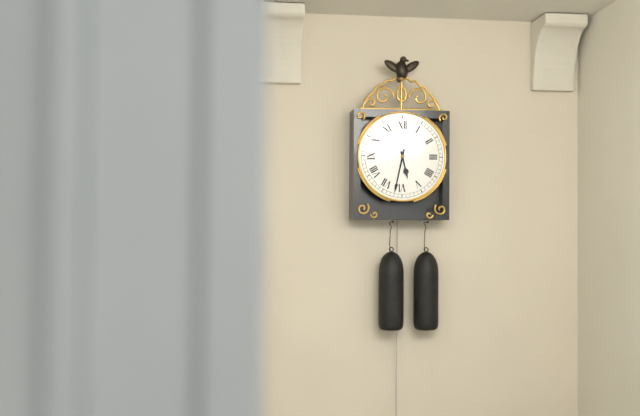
{"hour": 5, "minute": 32}
